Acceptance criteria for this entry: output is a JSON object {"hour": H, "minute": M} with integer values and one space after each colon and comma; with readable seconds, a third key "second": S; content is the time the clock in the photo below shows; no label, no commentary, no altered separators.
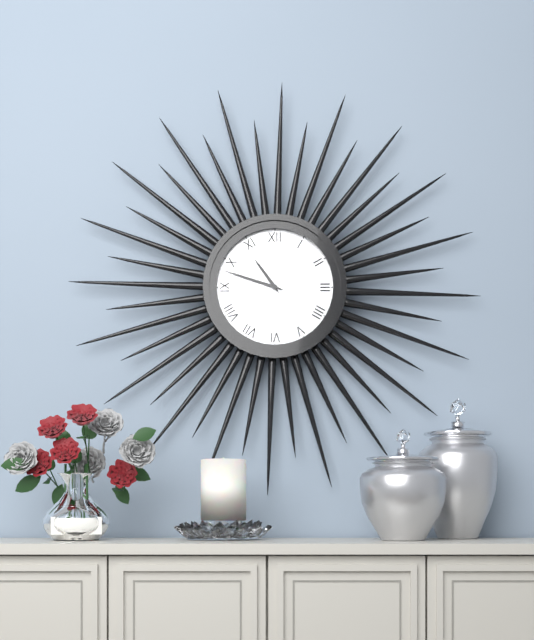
{"hour": 10, "minute": 48}
